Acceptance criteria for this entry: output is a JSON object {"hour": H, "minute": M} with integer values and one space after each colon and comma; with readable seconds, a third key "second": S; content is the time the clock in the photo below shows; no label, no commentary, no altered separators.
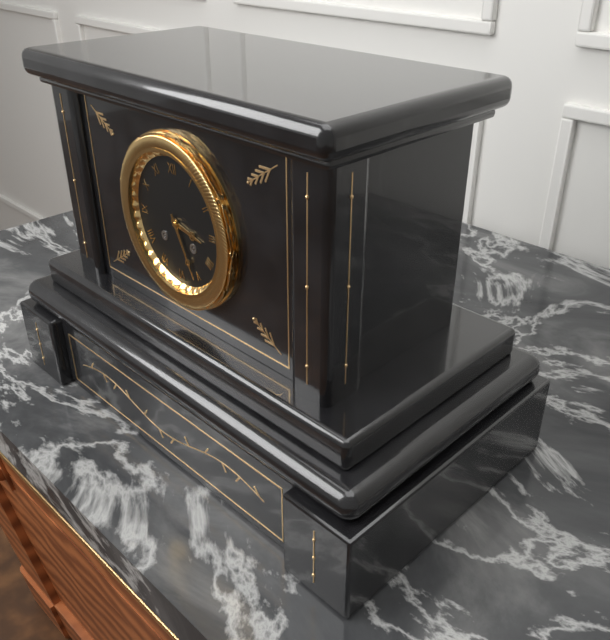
{"hour": 3, "minute": 26}
